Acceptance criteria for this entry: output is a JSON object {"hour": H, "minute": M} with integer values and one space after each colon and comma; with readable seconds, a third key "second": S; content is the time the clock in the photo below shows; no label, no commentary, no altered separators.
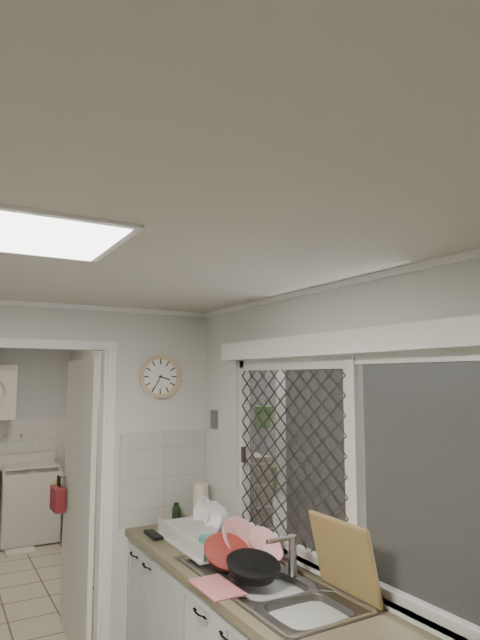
{"hour": 3, "minute": 35}
